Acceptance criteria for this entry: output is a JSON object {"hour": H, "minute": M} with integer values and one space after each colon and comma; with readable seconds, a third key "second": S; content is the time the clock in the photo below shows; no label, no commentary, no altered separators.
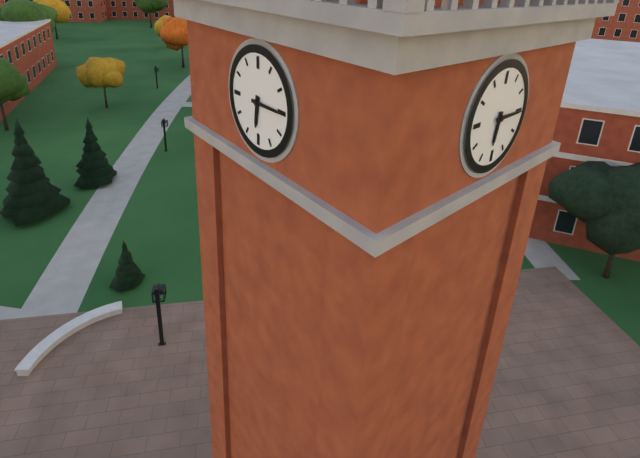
{"hour": 6, "minute": 15}
